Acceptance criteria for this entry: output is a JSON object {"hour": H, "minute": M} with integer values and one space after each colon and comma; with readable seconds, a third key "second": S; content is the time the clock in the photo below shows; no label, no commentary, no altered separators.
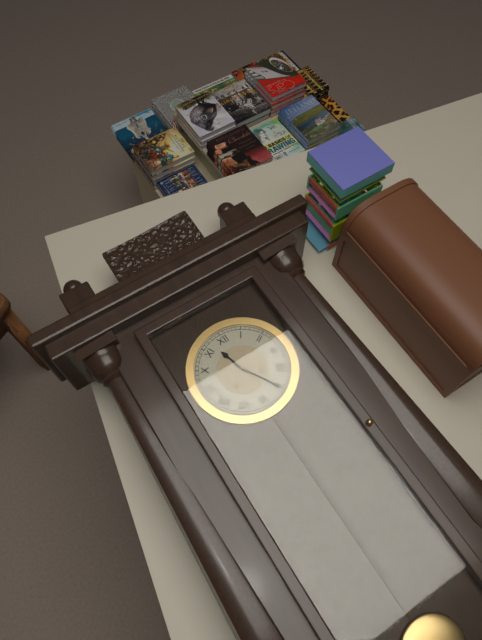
{"hour": 11, "minute": 25}
